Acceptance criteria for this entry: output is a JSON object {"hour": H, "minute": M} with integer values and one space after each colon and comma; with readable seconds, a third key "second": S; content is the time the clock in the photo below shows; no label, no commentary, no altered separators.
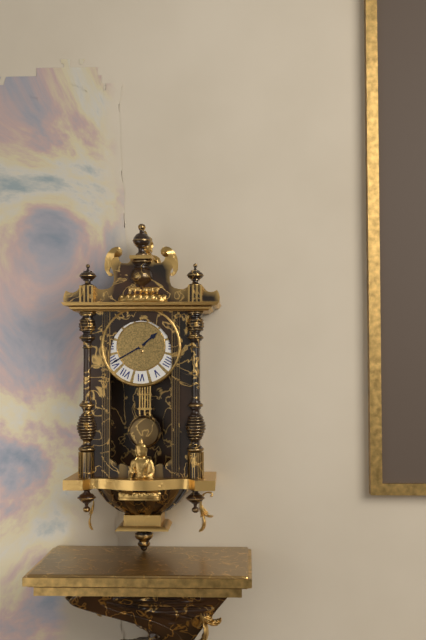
{"hour": 1, "minute": 40}
